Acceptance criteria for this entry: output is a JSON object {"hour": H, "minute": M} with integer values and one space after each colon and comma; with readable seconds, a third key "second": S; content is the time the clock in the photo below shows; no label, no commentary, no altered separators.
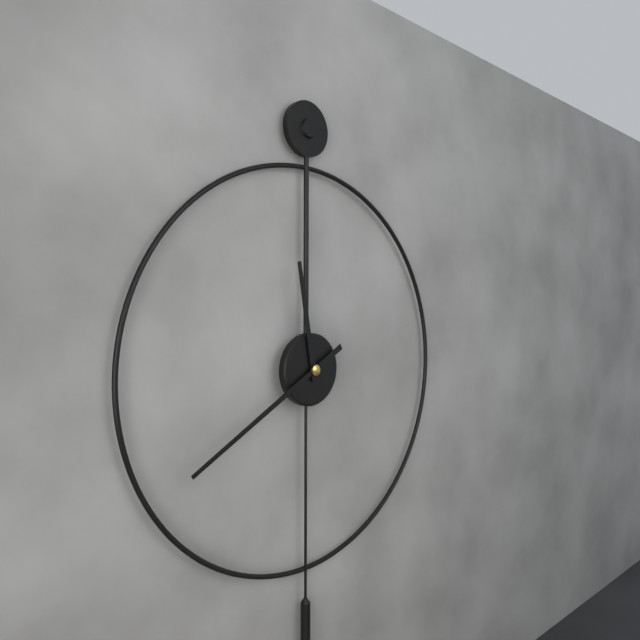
{"hour": 11, "minute": 40}
